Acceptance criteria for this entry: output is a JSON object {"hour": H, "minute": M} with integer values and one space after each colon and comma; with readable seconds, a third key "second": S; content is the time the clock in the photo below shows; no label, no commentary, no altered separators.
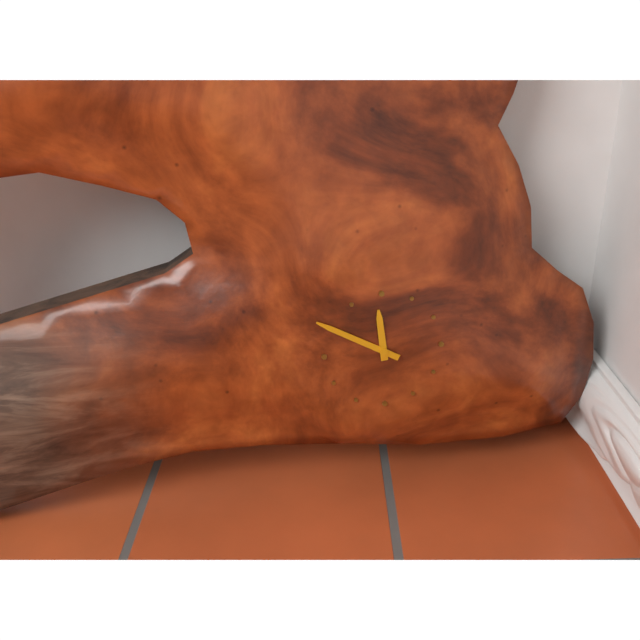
{"hour": 11, "minute": 50}
